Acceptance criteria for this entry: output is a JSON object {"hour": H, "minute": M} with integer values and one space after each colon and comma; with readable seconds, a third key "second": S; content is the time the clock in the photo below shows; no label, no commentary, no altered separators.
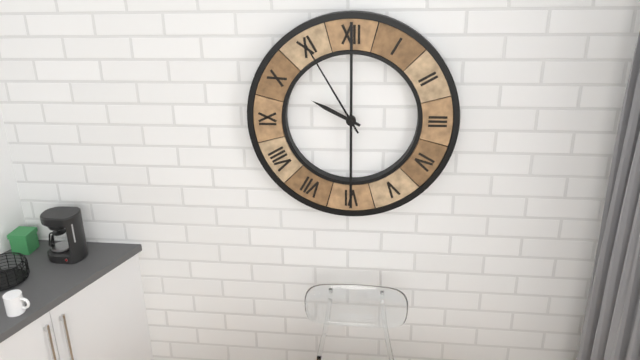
{"hour": 9, "minute": 55}
